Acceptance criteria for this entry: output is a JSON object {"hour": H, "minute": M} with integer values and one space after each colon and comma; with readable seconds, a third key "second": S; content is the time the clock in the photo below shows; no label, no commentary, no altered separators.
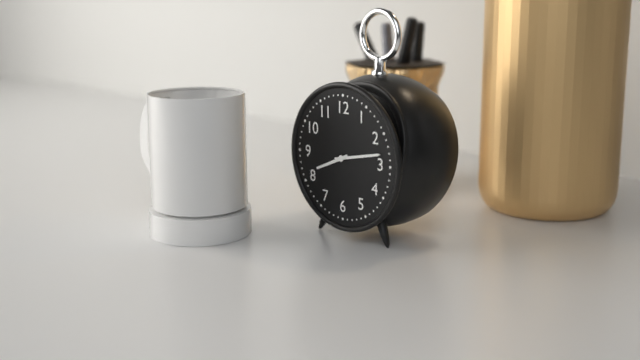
{"hour": 8, "minute": 13}
